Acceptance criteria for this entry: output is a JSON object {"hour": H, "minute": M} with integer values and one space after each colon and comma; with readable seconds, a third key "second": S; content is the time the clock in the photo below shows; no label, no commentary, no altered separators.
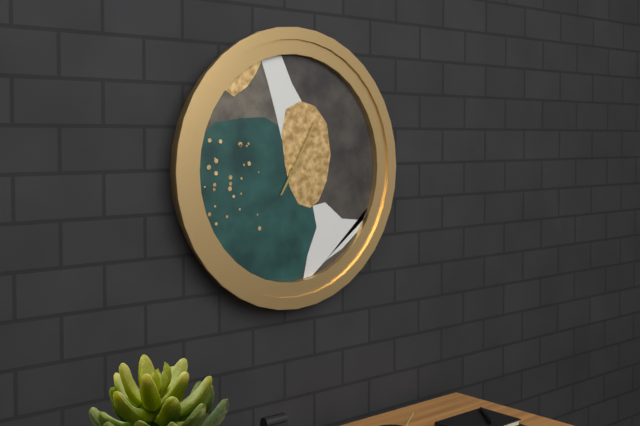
{"hour": 7, "minute": 5}
